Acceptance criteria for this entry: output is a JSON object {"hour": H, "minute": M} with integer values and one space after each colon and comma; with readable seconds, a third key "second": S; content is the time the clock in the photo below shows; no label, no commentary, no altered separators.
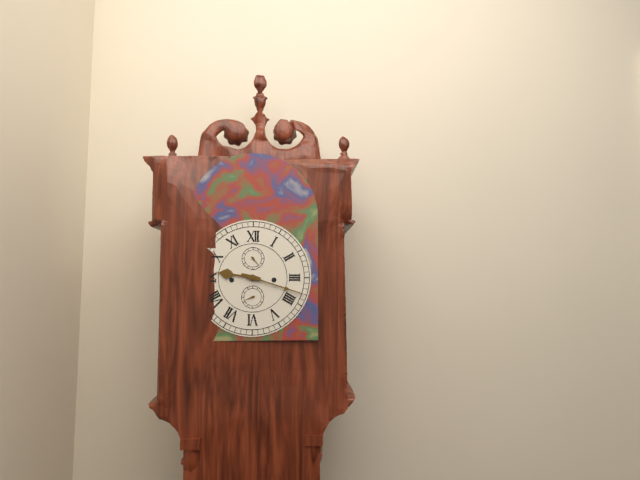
{"hour": 9, "minute": 18}
